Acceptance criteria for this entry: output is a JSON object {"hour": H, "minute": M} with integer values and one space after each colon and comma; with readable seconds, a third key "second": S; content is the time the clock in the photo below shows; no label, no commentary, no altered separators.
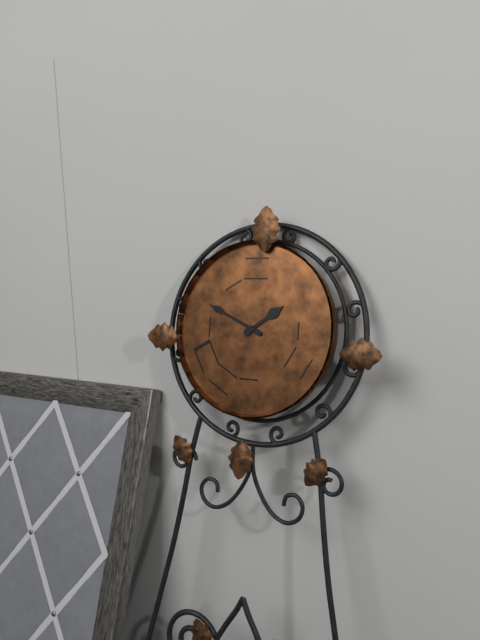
{"hour": 1, "minute": 49}
